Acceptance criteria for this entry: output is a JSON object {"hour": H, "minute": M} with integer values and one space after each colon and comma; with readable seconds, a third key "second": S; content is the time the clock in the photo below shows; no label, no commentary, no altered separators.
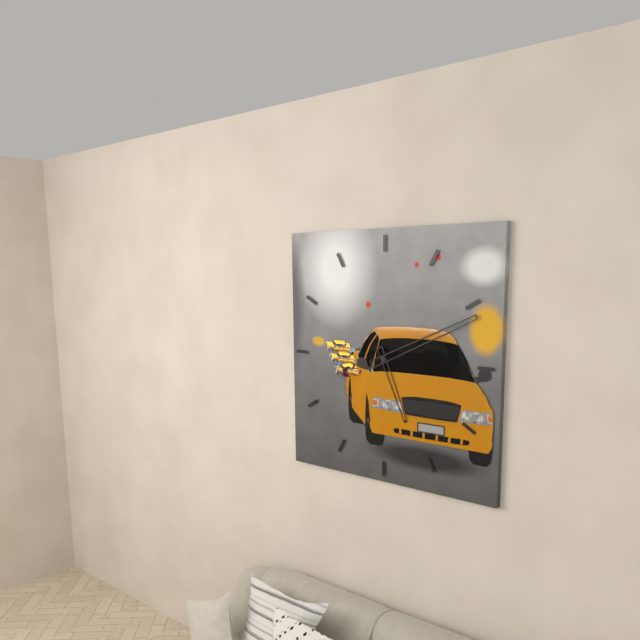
{"hour": 5, "minute": 11}
